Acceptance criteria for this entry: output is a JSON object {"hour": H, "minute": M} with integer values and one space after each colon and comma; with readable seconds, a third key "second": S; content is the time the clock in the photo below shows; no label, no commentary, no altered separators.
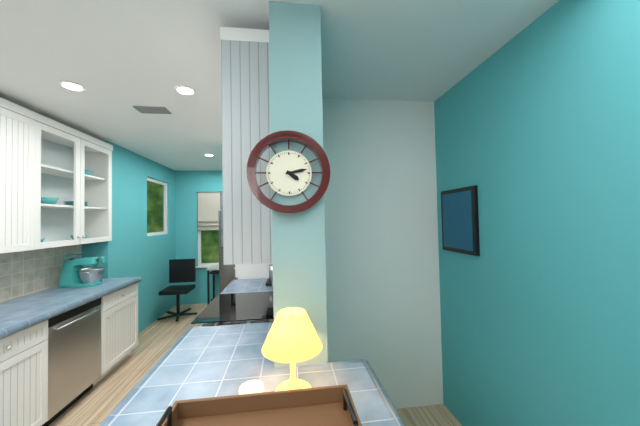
{"hour": 4, "minute": 13}
